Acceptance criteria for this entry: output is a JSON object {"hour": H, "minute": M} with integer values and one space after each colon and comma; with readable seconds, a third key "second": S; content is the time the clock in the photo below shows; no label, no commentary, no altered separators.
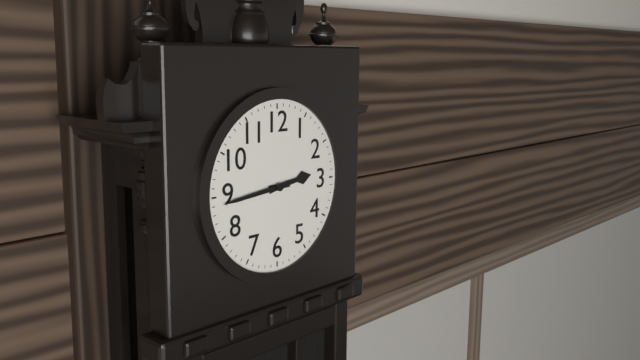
{"hour": 2, "minute": 44}
